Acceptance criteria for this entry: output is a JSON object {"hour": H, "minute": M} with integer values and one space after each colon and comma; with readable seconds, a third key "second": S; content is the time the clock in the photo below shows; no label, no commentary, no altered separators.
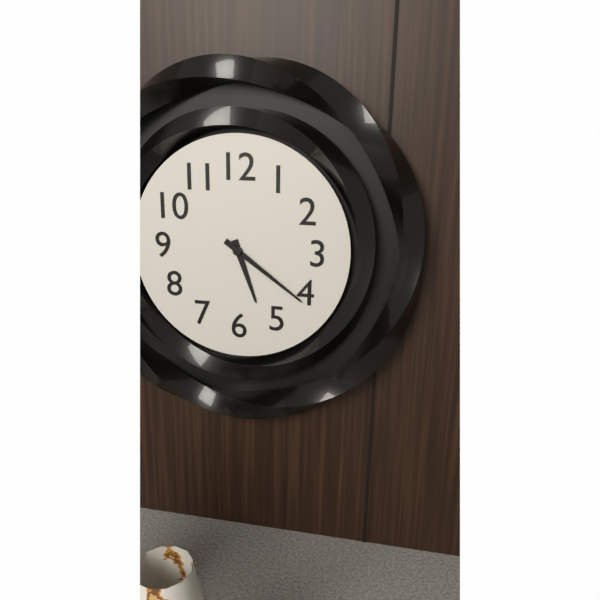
{"hour": 5, "minute": 21}
